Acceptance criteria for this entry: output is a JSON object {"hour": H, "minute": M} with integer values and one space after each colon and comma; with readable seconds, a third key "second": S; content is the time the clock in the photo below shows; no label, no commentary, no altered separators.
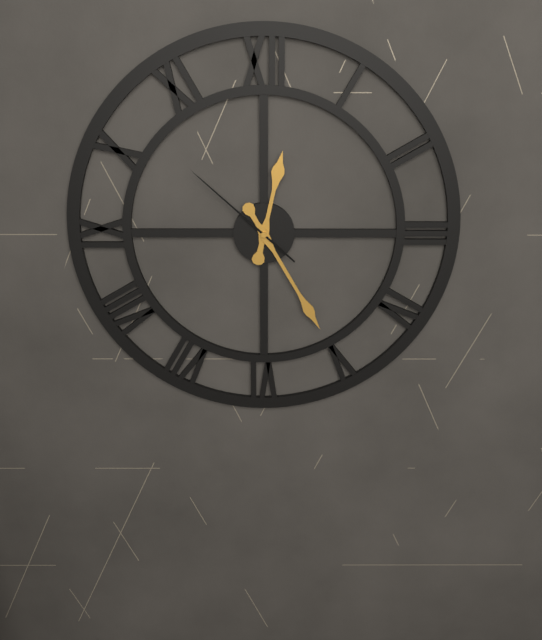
{"hour": 12, "minute": 25, "second": 52}
